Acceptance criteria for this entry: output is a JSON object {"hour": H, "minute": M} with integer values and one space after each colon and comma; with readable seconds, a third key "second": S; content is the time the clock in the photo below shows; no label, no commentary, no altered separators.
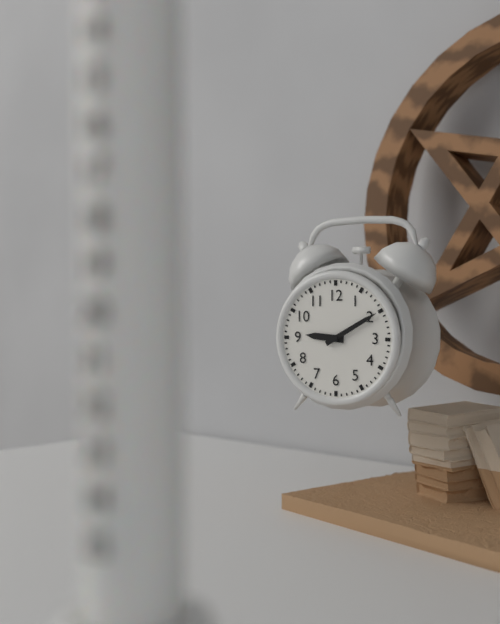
{"hour": 9, "minute": 10}
